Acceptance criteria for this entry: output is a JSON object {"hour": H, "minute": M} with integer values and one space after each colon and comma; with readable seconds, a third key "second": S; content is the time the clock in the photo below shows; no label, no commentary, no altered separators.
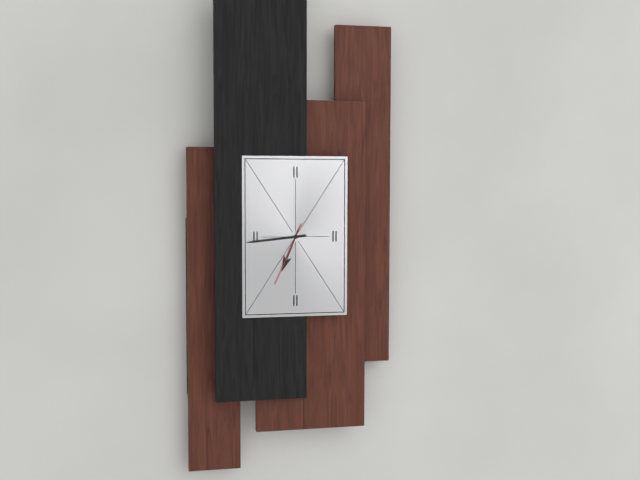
{"hour": 6, "minute": 44, "second": 34}
